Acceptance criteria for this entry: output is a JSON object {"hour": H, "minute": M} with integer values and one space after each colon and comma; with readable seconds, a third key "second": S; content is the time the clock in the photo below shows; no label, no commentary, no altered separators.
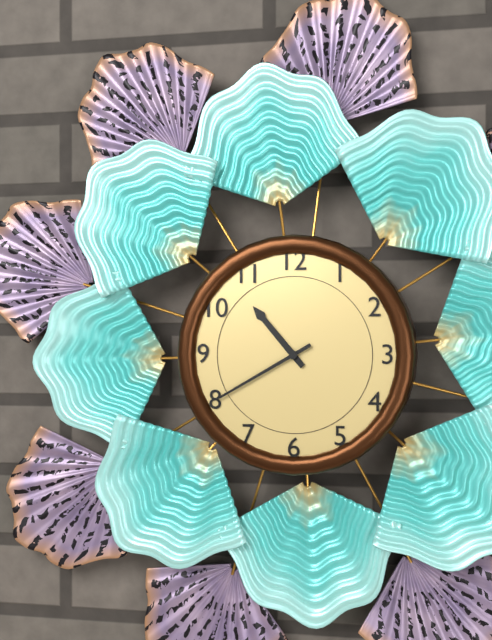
{"hour": 10, "minute": 40}
